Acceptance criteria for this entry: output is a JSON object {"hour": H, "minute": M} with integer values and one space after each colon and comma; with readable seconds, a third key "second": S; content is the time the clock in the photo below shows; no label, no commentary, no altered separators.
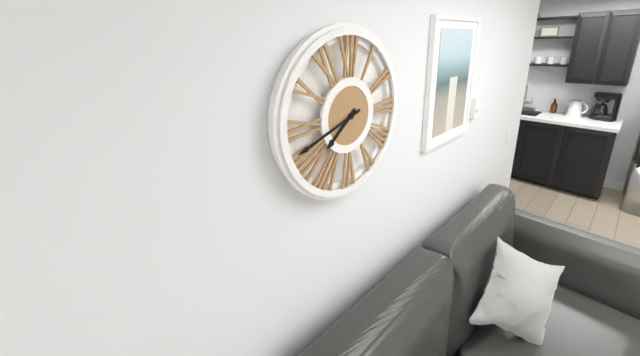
{"hour": 7, "minute": 42}
